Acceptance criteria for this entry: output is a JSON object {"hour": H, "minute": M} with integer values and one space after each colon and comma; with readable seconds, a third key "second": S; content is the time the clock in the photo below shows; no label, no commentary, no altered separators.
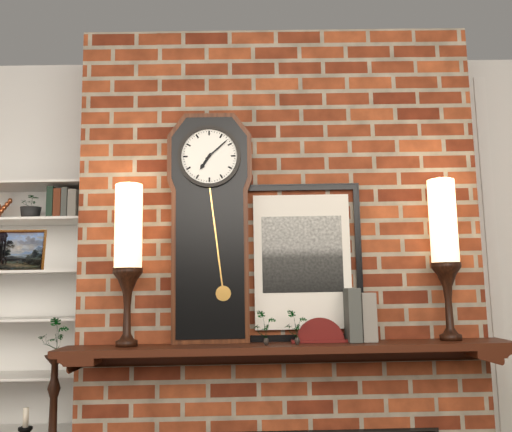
{"hour": 7, "minute": 8}
